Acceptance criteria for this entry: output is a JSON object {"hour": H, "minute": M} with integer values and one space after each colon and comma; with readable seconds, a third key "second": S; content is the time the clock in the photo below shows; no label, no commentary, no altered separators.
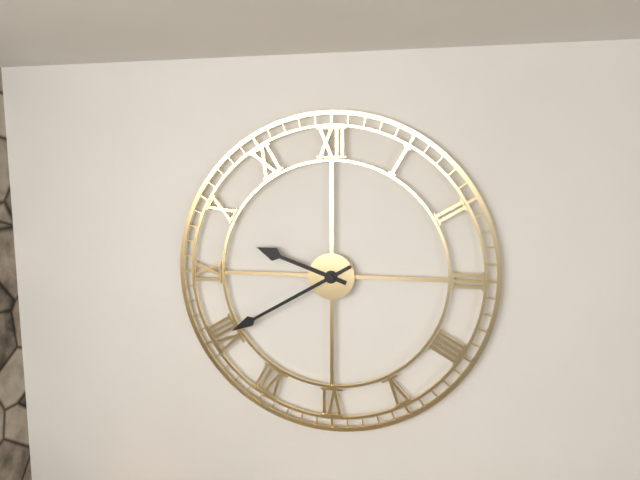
{"hour": 9, "minute": 40}
